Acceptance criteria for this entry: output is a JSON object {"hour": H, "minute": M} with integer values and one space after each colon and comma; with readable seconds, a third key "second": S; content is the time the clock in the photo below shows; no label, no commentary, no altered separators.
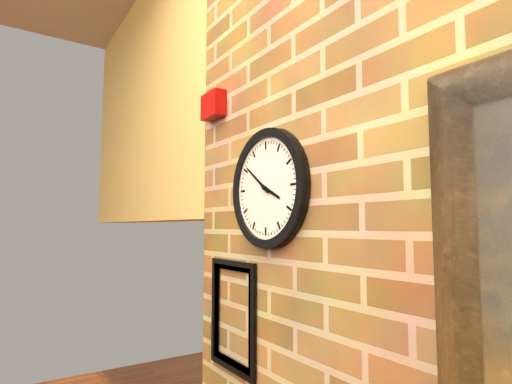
{"hour": 3, "minute": 51}
